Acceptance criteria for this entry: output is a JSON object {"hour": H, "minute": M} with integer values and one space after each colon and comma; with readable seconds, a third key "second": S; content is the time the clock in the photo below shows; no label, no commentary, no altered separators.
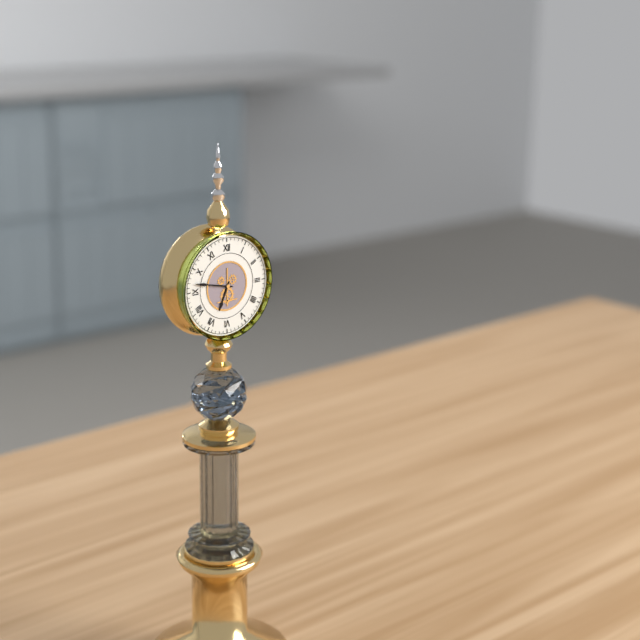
{"hour": 6, "minute": 47}
